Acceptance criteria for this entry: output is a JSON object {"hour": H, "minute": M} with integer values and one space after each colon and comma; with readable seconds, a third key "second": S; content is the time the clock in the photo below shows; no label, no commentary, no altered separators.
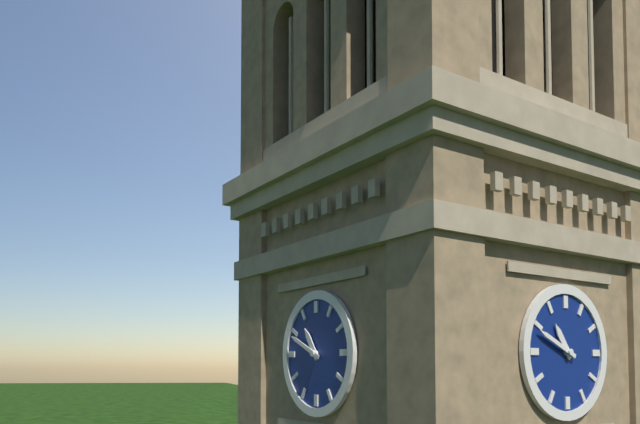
{"hour": 10, "minute": 49}
